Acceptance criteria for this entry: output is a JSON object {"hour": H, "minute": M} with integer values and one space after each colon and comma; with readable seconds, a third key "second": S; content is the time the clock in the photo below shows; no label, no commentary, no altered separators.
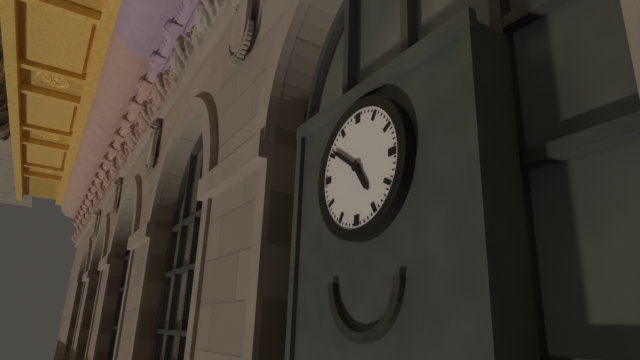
{"hour": 4, "minute": 51}
